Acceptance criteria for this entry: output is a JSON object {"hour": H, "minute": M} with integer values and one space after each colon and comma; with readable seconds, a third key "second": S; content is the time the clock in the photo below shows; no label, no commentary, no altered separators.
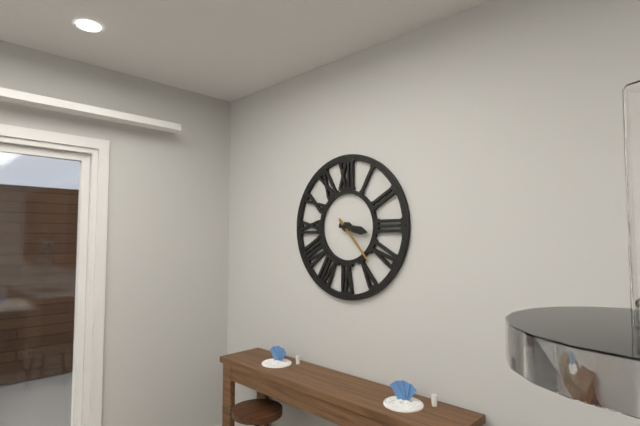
{"hour": 3, "minute": 23}
